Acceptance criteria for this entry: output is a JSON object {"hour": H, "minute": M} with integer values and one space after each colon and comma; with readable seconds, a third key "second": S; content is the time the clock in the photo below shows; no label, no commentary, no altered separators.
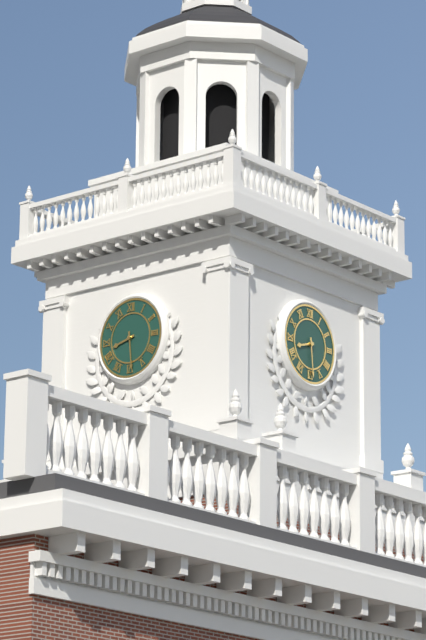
{"hour": 8, "minute": 29}
